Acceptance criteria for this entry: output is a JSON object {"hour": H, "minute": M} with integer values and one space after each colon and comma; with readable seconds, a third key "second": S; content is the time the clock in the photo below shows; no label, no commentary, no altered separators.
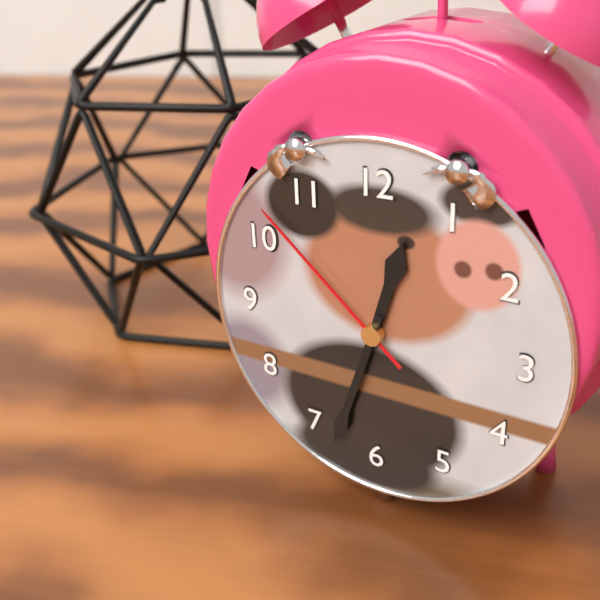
{"hour": 12, "minute": 33, "second": 52}
